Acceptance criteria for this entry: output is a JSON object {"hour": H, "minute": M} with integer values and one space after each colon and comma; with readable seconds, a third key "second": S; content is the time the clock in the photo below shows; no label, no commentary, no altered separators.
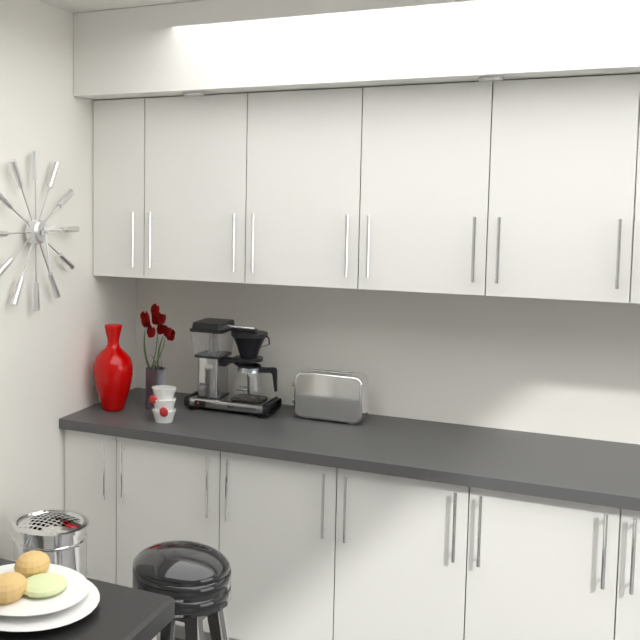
{"hour": 2, "minute": 28}
